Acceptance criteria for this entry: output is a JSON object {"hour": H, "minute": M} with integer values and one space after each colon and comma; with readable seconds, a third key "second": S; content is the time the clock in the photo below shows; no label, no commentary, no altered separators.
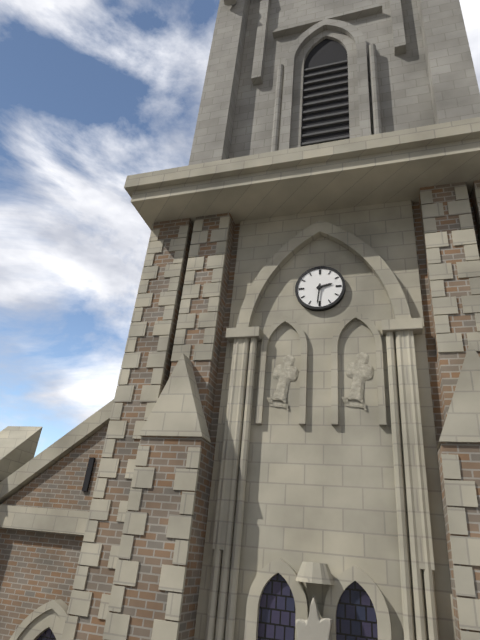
{"hour": 2, "minute": 31}
